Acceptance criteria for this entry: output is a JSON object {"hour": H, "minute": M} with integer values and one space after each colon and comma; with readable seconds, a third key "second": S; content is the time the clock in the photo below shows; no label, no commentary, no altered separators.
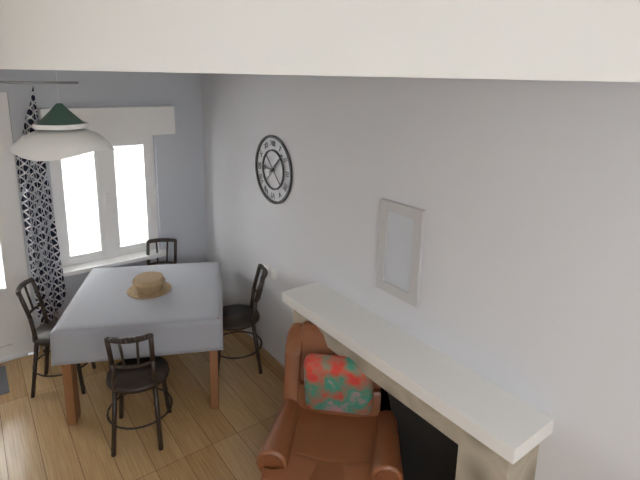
{"hour": 9, "minute": 8}
